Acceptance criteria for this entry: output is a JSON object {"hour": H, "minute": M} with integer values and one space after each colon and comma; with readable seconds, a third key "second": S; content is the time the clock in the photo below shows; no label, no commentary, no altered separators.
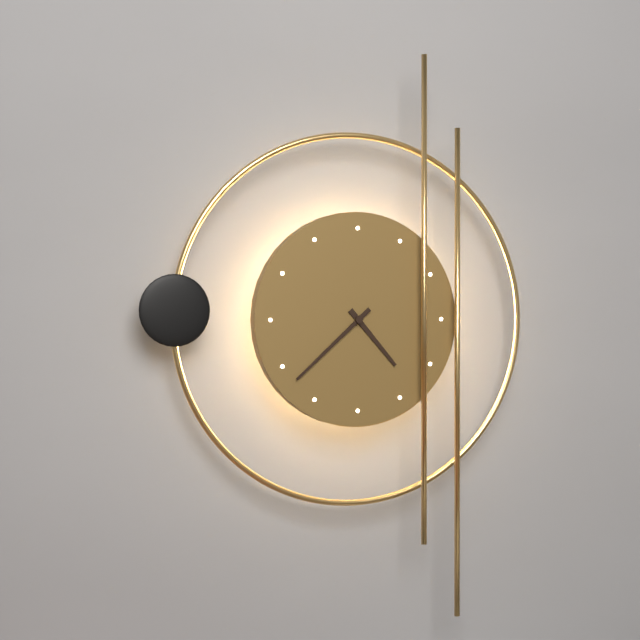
{"hour": 4, "minute": 38}
